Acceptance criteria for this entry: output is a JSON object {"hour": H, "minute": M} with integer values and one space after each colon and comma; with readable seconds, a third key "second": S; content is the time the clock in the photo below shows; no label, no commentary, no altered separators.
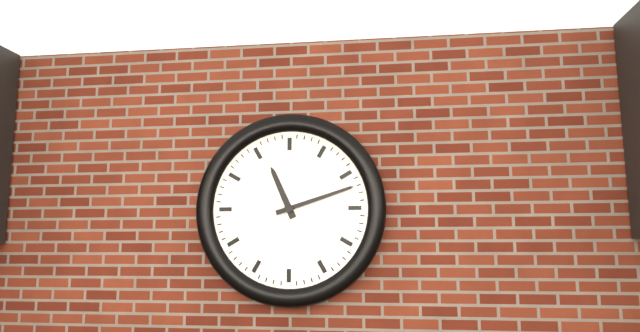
{"hour": 11, "minute": 12}
